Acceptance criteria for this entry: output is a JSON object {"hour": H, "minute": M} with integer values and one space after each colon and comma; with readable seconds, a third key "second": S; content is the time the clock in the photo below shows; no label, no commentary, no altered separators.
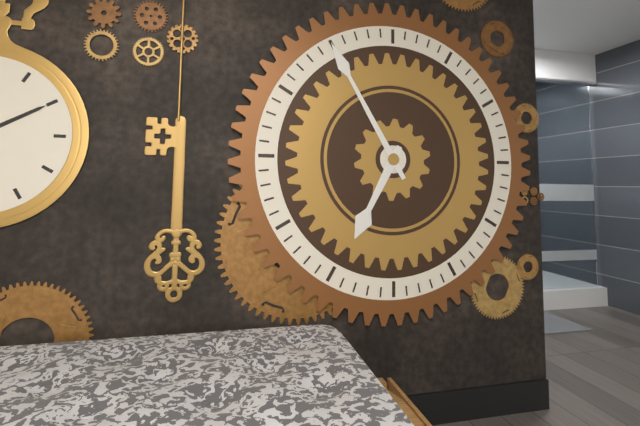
{"hour": 6, "minute": 55}
